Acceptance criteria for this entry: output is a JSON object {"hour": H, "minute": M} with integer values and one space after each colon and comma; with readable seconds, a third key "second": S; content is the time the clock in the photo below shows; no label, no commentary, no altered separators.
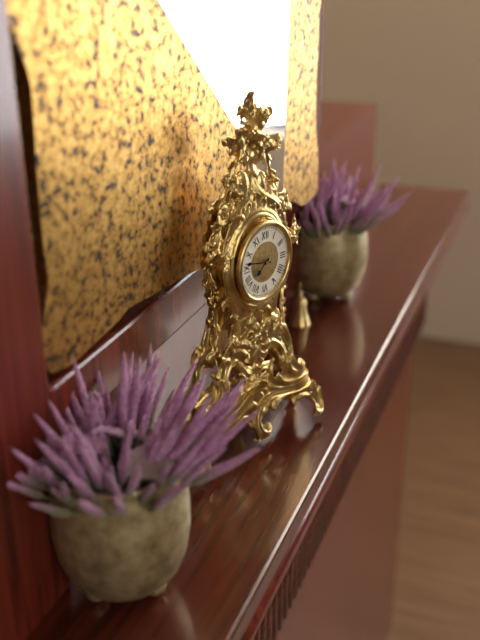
{"hour": 7, "minute": 47}
